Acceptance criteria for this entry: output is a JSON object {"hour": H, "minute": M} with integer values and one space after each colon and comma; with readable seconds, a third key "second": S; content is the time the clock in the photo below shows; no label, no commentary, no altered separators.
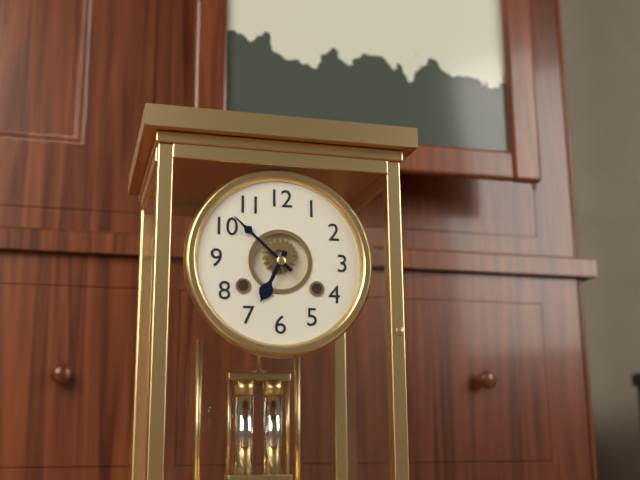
{"hour": 6, "minute": 52}
